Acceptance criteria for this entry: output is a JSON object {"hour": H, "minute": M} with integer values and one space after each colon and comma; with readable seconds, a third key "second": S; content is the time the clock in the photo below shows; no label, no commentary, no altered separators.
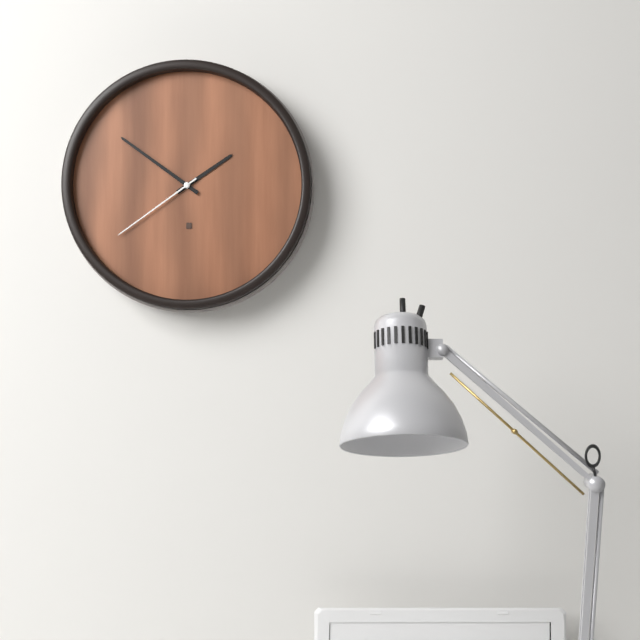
{"hour": 1, "minute": 51, "second": 39}
